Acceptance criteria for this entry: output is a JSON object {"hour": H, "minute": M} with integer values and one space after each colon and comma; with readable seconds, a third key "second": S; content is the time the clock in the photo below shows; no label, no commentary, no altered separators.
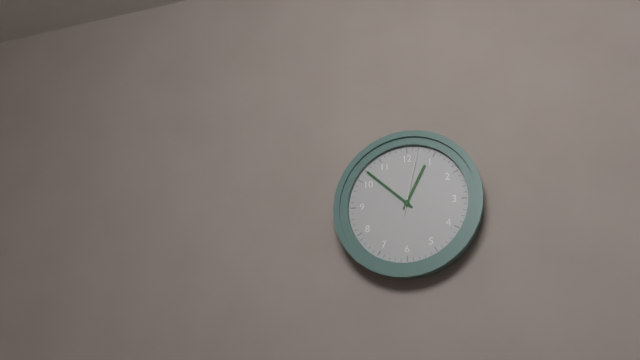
{"hour": 12, "minute": 52, "second": 2}
